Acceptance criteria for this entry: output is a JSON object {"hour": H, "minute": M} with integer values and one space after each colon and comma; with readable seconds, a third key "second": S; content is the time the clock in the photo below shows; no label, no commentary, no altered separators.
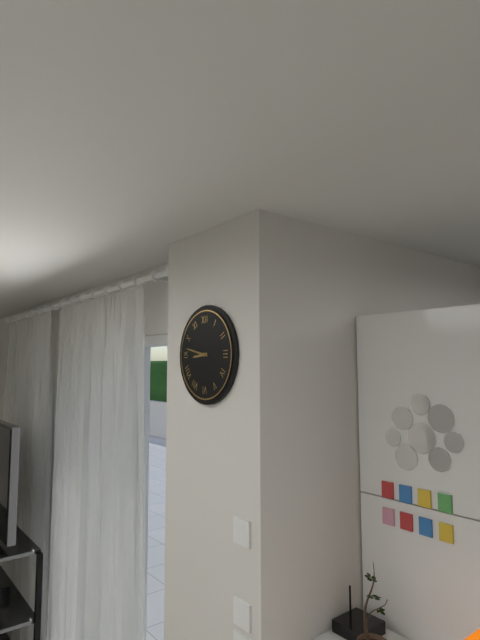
{"hour": 8, "minute": 47}
